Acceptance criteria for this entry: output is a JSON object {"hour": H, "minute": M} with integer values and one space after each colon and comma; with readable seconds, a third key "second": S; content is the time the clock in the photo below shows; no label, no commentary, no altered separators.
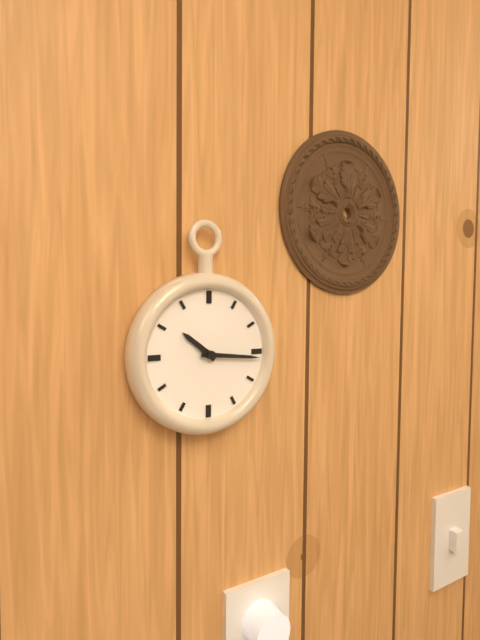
{"hour": 10, "minute": 16}
